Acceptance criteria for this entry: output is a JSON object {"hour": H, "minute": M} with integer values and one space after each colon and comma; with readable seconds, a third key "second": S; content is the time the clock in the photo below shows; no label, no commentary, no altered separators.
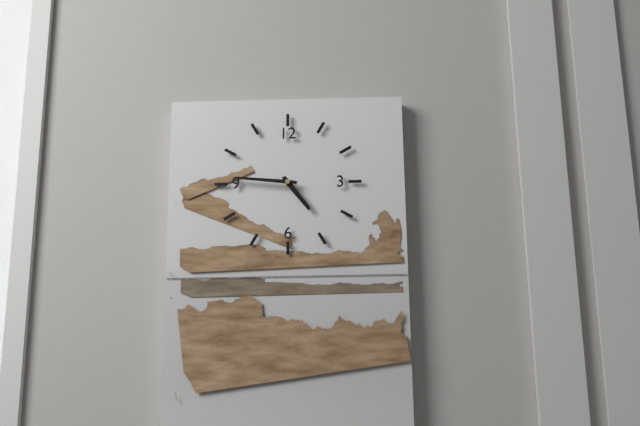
{"hour": 4, "minute": 46}
